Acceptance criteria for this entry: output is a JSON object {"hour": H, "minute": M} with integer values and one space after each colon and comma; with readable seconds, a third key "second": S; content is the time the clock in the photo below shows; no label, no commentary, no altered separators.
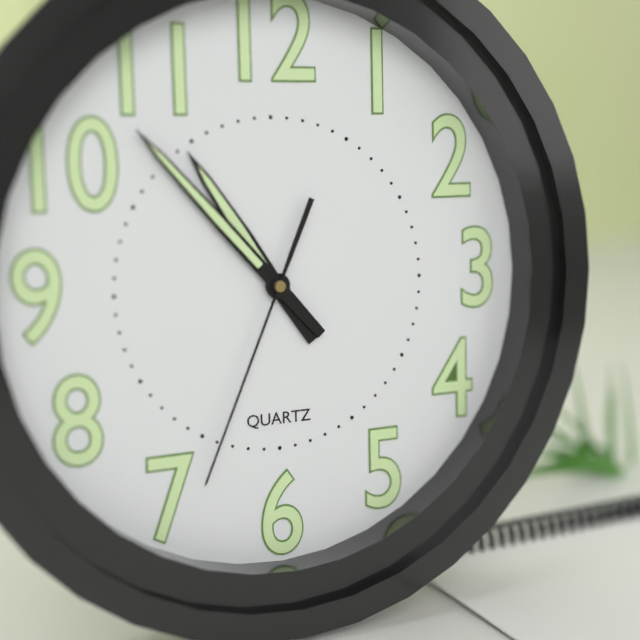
{"hour": 10, "minute": 53, "second": 34}
